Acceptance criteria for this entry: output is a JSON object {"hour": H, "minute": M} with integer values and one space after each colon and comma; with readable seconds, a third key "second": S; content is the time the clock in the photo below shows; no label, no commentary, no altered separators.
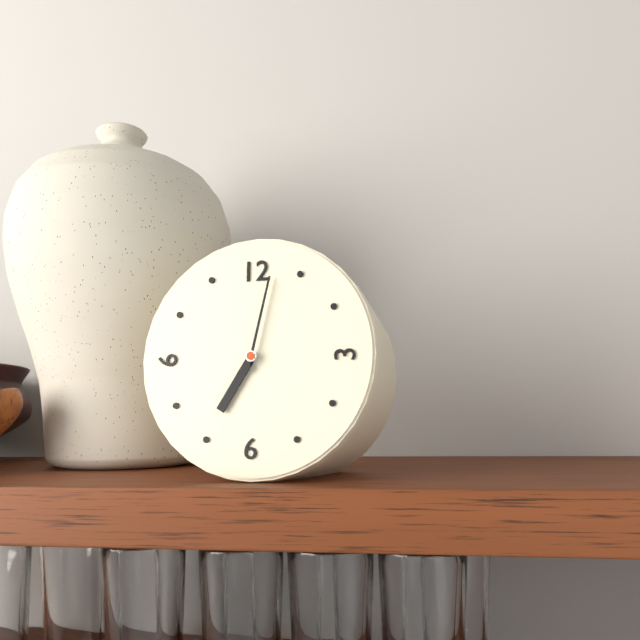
{"hour": 7, "minute": 2}
